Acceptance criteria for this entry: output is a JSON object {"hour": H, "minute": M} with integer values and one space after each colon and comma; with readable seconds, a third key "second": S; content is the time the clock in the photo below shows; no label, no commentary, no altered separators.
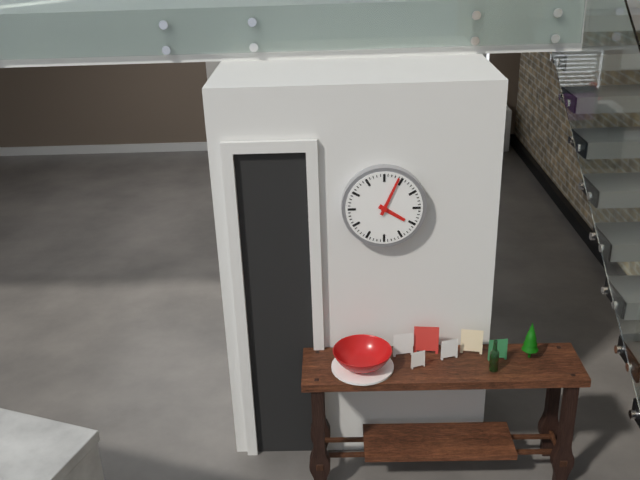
{"hour": 4, "minute": 4}
